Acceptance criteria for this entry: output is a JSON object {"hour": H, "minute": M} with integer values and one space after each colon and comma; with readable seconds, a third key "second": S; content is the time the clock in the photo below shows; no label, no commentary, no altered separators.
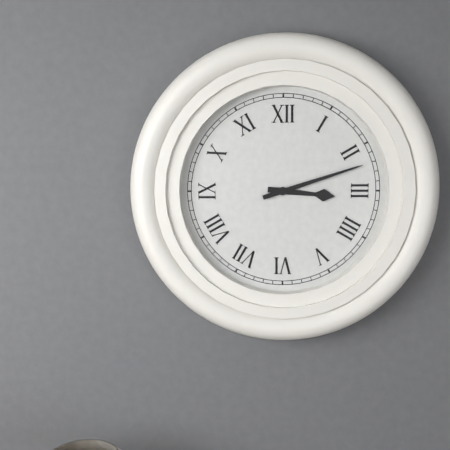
{"hour": 3, "minute": 12}
